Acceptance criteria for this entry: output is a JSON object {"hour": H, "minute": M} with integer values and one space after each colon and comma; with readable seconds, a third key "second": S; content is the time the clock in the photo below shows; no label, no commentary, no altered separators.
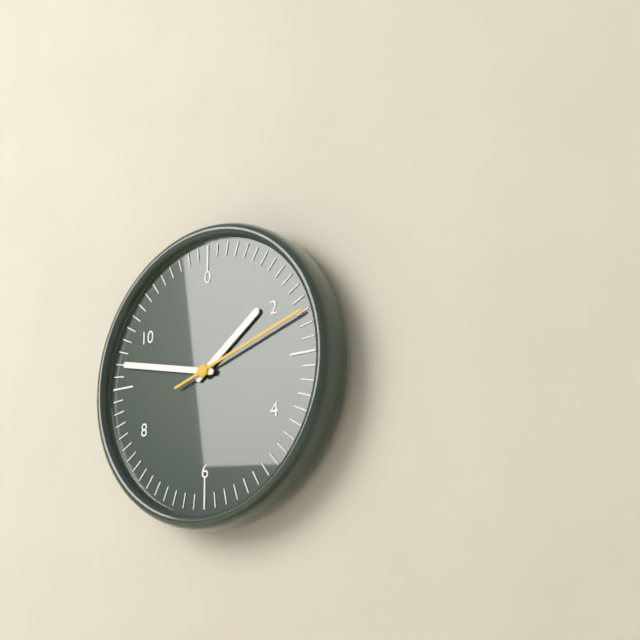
{"hour": 1, "minute": 47, "second": 12}
